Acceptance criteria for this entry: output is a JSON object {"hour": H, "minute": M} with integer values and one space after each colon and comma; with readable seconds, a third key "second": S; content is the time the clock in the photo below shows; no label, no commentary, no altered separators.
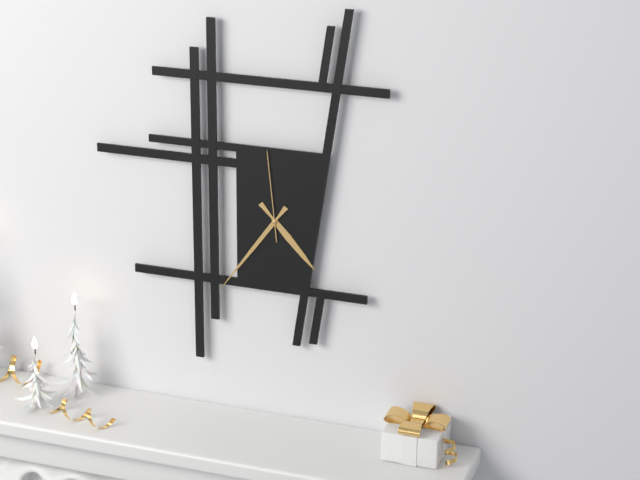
{"hour": 4, "minute": 36, "second": 59}
